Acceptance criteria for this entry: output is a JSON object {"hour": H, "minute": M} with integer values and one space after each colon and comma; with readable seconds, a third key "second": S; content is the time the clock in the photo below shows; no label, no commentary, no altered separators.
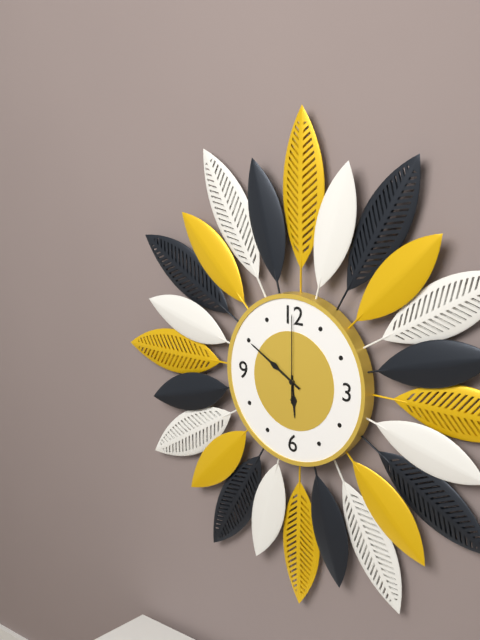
{"hour": 5, "minute": 50, "second": 0}
